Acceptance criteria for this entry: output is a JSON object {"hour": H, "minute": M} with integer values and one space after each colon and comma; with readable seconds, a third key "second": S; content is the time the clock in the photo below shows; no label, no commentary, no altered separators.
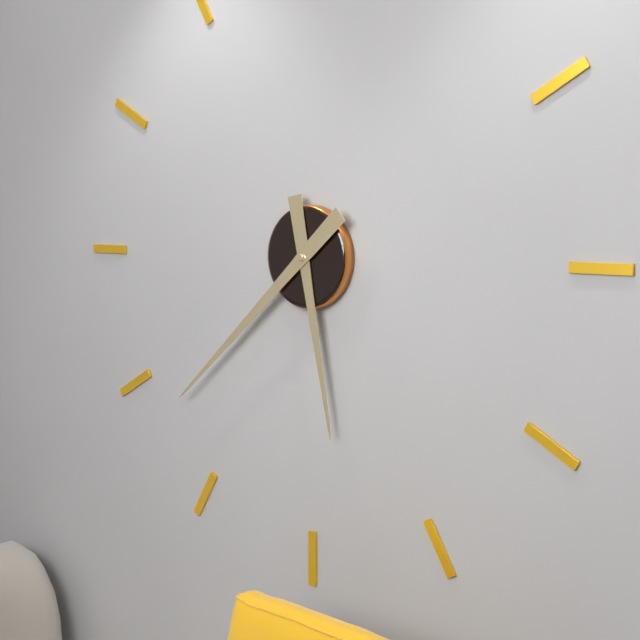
{"hour": 5, "minute": 38}
